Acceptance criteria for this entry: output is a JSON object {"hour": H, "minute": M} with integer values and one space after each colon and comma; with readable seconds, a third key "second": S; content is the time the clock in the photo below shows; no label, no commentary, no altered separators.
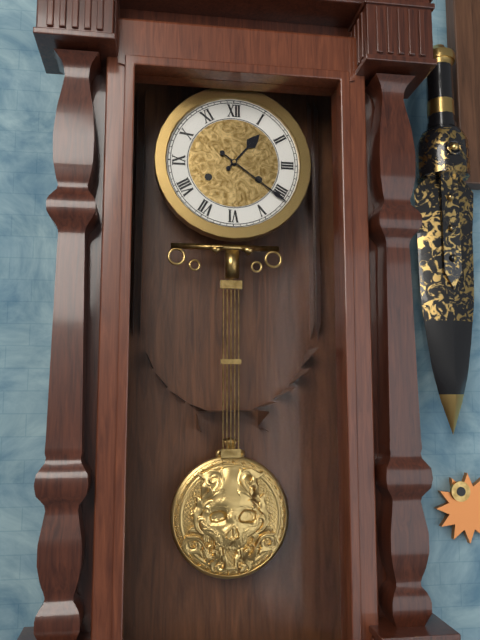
{"hour": 1, "minute": 21}
